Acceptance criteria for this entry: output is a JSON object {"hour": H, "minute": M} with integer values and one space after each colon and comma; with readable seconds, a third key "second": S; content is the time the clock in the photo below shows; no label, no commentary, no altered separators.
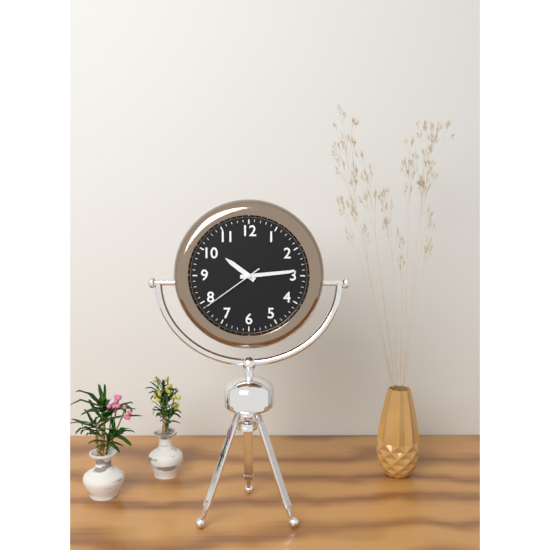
{"hour": 10, "minute": 14, "second": 39}
